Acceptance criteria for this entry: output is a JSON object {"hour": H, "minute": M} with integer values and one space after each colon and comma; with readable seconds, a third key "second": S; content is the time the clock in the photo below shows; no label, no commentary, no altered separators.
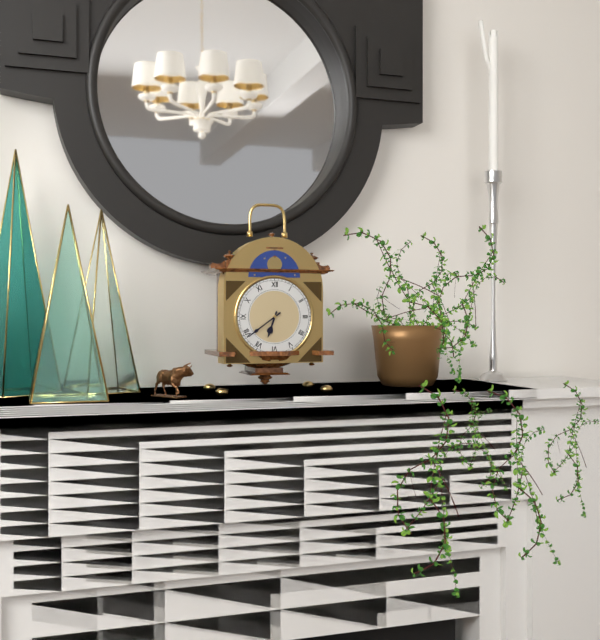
{"hour": 6, "minute": 39}
